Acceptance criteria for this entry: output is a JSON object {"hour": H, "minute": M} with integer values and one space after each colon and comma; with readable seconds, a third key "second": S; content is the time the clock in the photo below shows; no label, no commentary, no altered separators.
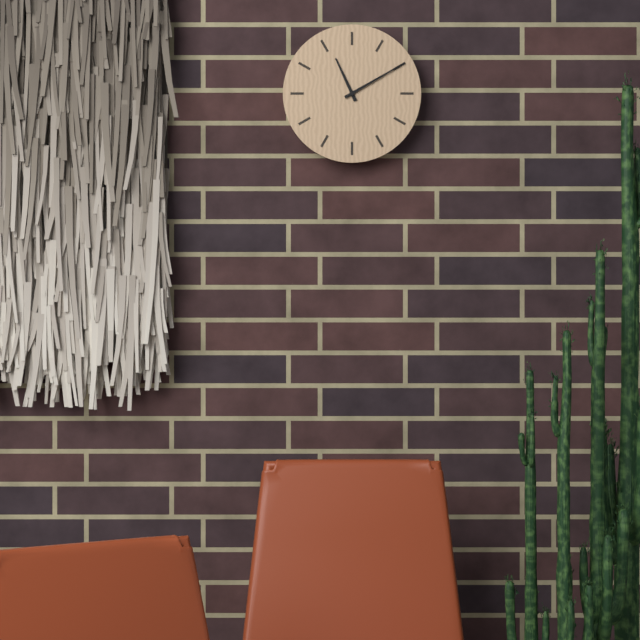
{"hour": 11, "minute": 10}
